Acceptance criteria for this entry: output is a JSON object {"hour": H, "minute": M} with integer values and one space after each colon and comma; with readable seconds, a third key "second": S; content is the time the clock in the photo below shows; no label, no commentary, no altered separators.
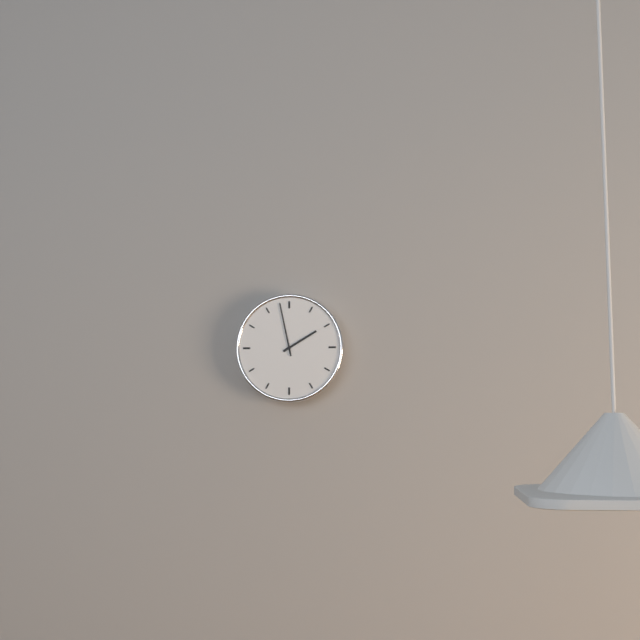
{"hour": 1, "minute": 58}
